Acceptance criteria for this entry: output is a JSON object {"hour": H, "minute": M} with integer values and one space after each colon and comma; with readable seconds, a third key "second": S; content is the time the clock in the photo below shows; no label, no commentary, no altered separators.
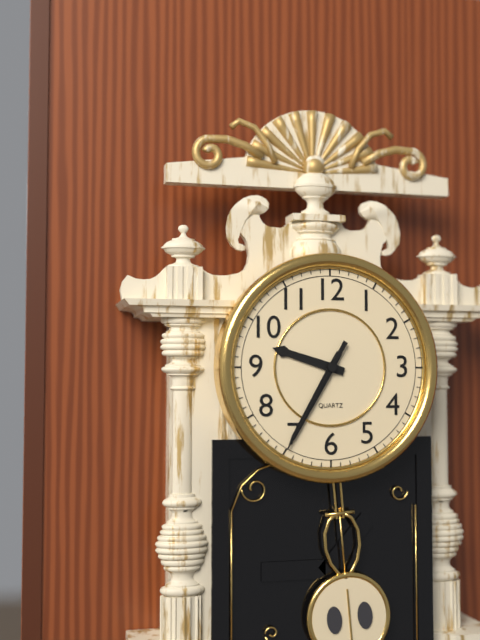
{"hour": 9, "minute": 35, "second": 35}
